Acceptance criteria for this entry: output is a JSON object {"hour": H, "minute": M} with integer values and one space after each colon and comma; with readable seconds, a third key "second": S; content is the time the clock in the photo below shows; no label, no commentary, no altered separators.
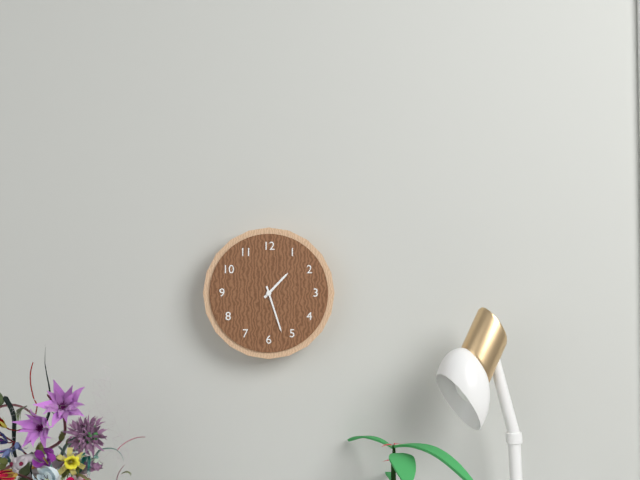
{"hour": 1, "minute": 27}
